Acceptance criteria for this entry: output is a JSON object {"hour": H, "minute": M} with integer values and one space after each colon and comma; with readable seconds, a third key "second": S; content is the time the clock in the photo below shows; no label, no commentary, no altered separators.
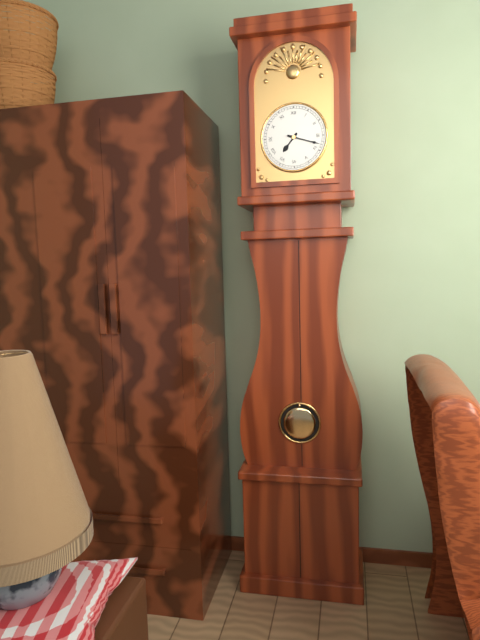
{"hour": 7, "minute": 18}
